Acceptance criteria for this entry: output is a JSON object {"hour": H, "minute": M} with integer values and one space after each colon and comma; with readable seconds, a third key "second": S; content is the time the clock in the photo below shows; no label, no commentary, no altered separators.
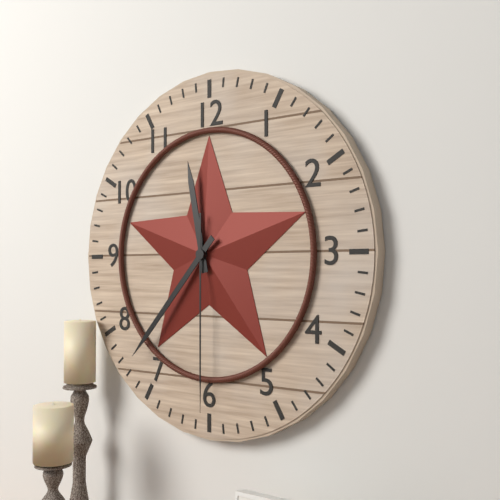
{"hour": 11, "minute": 37, "second": 30}
